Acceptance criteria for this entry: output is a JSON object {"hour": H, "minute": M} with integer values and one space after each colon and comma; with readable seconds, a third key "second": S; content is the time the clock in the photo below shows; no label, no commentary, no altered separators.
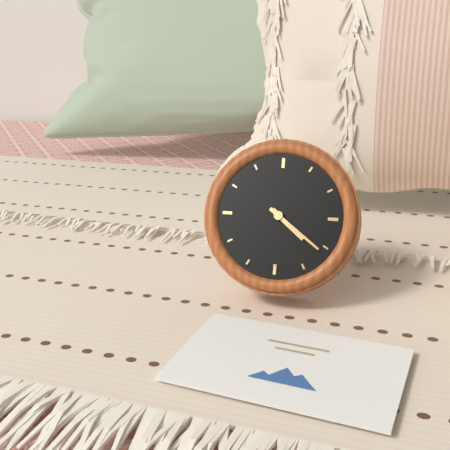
{"hour": 4, "minute": 21}
